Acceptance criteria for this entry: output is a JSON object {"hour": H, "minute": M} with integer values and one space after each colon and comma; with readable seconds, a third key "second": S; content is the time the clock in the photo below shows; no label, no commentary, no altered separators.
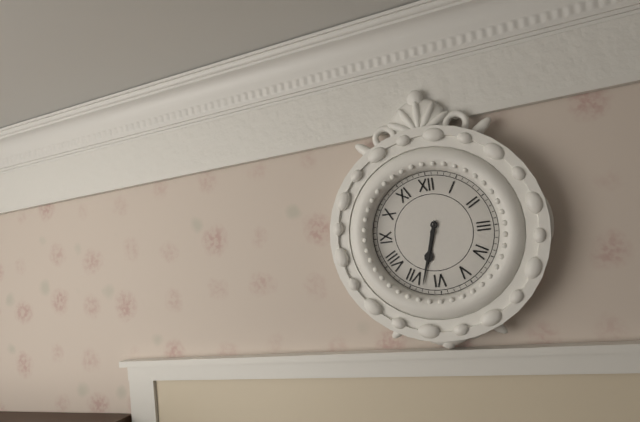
{"hour": 6, "minute": 33}
